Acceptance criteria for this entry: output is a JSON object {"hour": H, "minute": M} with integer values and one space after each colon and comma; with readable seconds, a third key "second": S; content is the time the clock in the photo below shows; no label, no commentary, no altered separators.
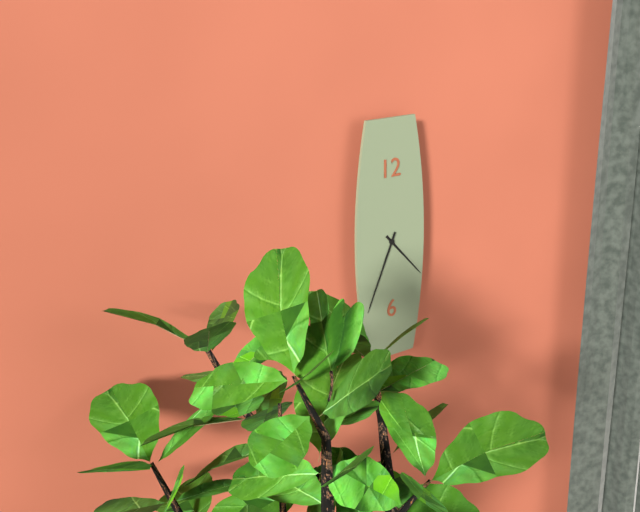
{"hour": 4, "minute": 34}
